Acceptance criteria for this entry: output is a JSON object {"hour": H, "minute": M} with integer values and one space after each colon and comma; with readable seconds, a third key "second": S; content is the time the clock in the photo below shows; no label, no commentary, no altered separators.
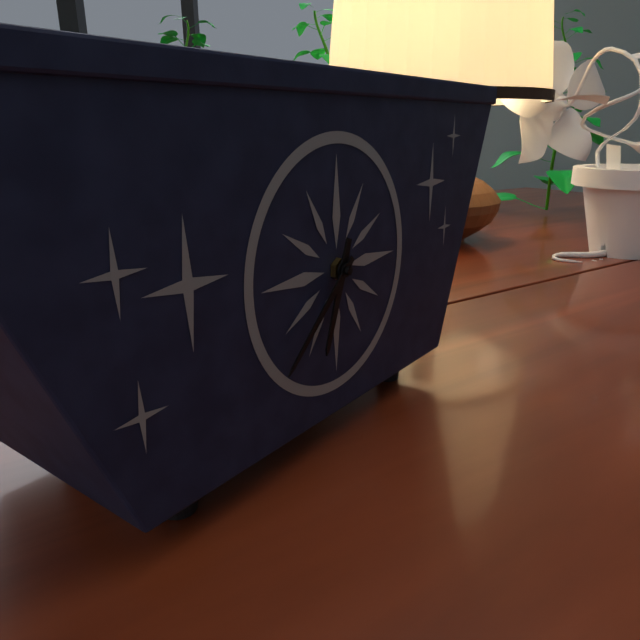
{"hour": 6, "minute": 38}
